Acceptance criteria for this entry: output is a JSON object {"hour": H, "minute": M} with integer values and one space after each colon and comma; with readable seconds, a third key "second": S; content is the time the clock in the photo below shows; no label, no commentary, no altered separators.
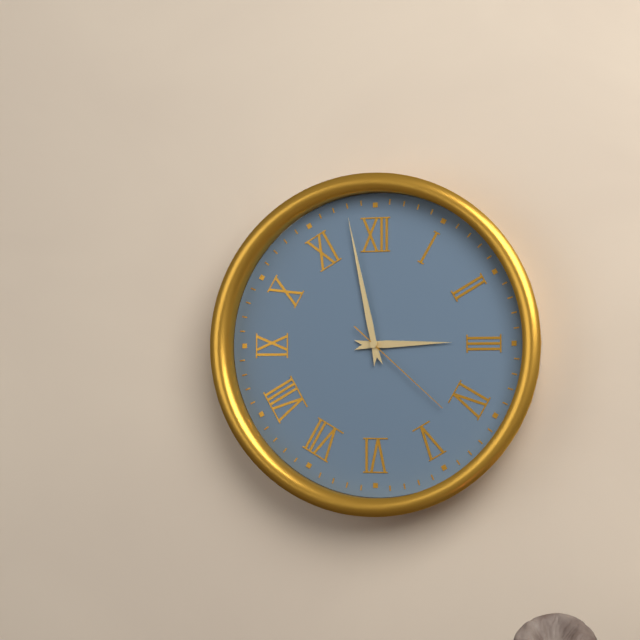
{"hour": 2, "minute": 58, "second": 22}
